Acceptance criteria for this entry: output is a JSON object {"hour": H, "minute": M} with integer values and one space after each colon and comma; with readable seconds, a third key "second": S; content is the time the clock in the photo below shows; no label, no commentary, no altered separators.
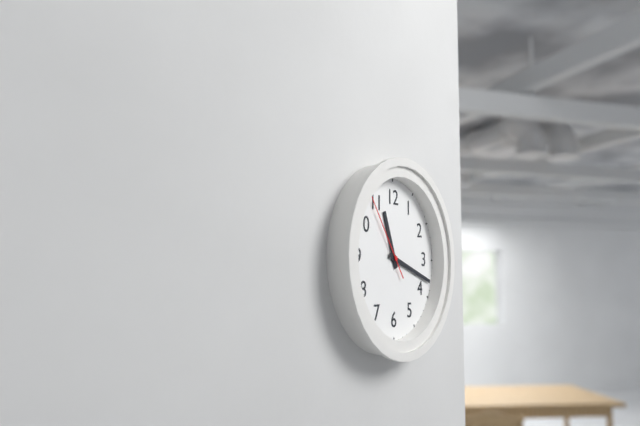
{"hour": 11, "minute": 18, "second": 54}
